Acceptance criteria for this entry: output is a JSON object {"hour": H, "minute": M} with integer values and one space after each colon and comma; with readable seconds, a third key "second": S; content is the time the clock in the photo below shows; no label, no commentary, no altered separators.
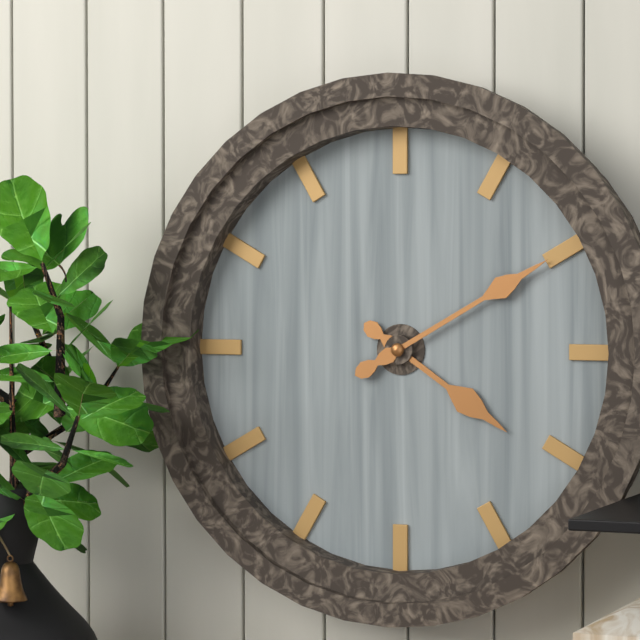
{"hour": 4, "minute": 10}
